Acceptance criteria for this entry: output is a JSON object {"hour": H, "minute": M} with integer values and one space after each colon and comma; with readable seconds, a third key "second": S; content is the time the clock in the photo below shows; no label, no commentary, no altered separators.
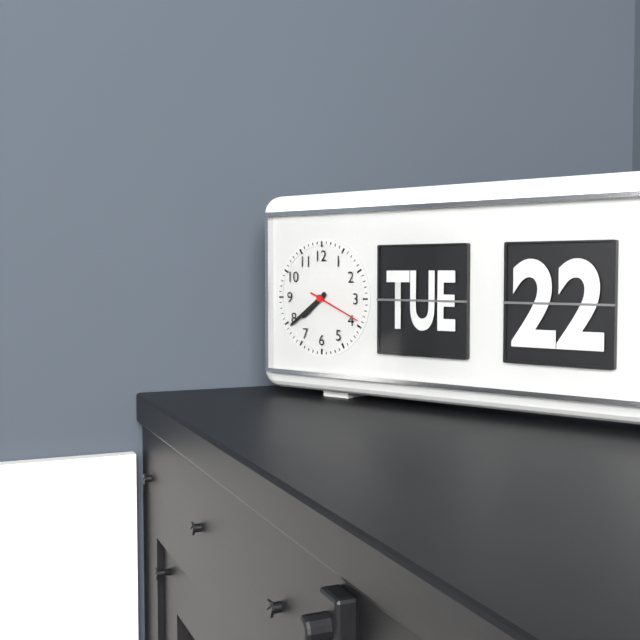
{"hour": 7, "minute": 39}
